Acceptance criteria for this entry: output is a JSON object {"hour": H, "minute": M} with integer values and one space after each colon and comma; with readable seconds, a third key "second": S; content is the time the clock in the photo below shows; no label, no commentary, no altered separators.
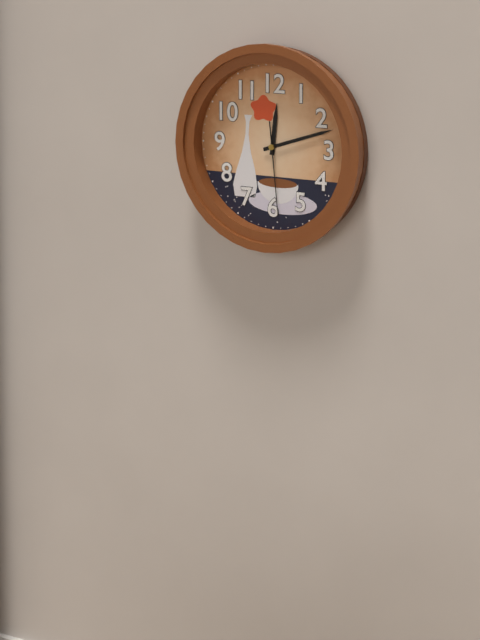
{"hour": 12, "minute": 12, "second": 29}
